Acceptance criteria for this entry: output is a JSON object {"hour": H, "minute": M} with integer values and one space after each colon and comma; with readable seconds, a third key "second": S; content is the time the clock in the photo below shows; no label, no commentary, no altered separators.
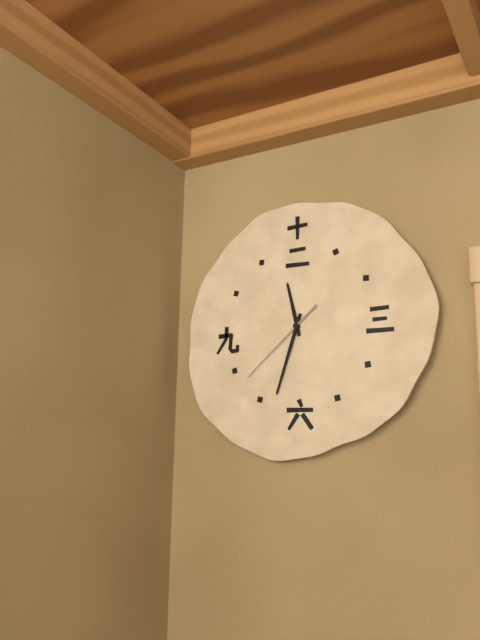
{"hour": 11, "minute": 33, "second": 38}
